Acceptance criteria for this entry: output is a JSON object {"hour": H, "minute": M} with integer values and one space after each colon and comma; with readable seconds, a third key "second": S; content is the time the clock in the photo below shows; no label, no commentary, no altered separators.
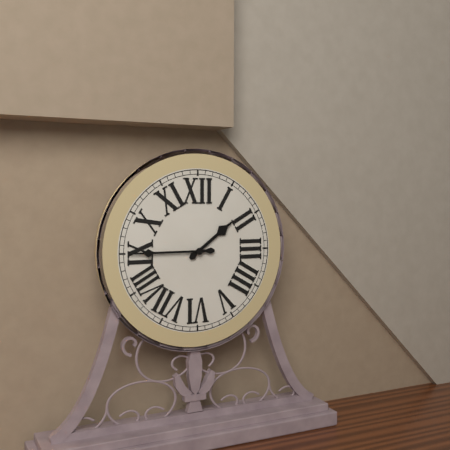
{"hour": 1, "minute": 45}
